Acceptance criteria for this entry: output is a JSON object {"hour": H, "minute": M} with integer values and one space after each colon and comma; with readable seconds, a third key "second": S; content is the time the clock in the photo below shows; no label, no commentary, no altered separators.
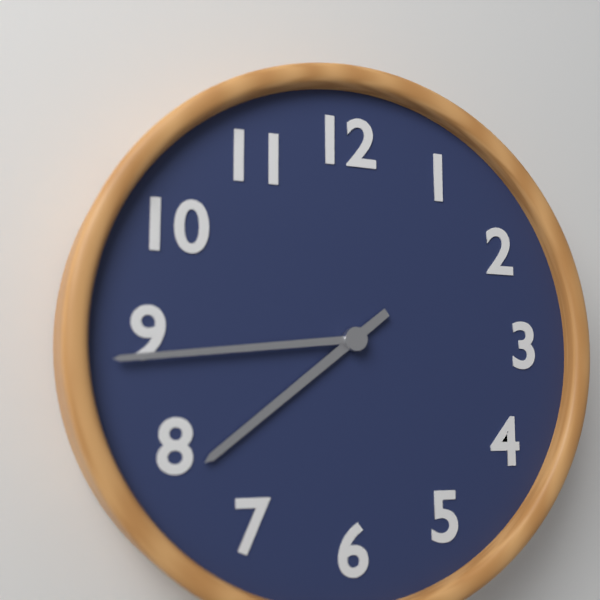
{"hour": 7, "minute": 44}
